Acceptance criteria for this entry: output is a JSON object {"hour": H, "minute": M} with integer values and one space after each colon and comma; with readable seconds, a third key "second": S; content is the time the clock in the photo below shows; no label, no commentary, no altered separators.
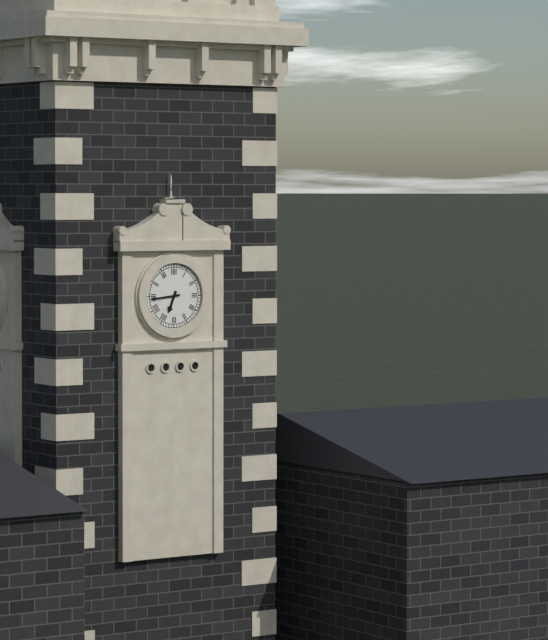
{"hour": 6, "minute": 44}
